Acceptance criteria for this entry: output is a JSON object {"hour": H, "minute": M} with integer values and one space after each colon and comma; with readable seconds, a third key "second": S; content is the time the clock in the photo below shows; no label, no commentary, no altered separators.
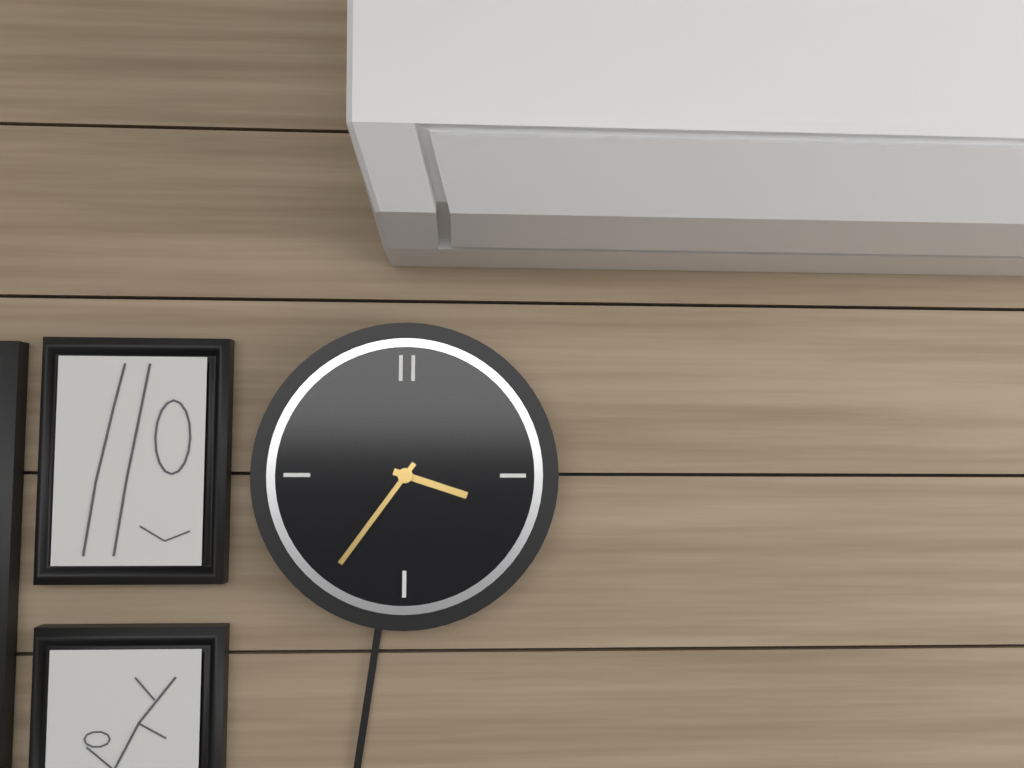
{"hour": 3, "minute": 36}
